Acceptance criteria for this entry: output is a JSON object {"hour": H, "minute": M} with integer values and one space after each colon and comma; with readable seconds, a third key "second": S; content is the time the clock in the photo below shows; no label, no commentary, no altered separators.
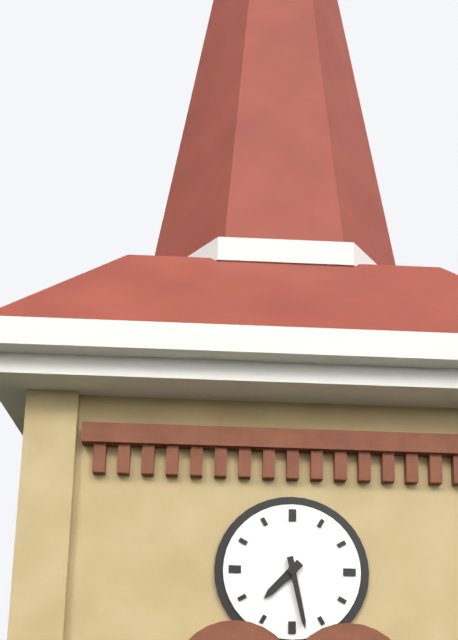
{"hour": 7, "minute": 28}
